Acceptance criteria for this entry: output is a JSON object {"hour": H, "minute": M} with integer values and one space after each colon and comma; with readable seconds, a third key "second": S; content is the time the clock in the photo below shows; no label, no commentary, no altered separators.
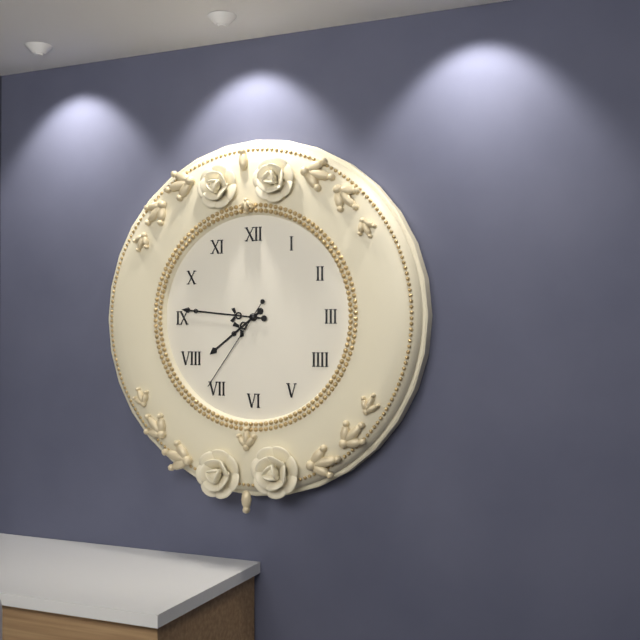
{"hour": 7, "minute": 46, "second": 36}
